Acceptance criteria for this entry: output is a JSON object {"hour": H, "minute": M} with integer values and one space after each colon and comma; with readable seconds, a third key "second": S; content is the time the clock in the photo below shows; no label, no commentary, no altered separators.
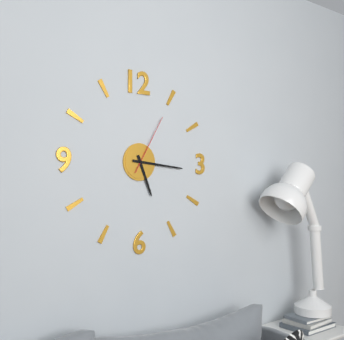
{"hour": 5, "minute": 16, "second": 5}
